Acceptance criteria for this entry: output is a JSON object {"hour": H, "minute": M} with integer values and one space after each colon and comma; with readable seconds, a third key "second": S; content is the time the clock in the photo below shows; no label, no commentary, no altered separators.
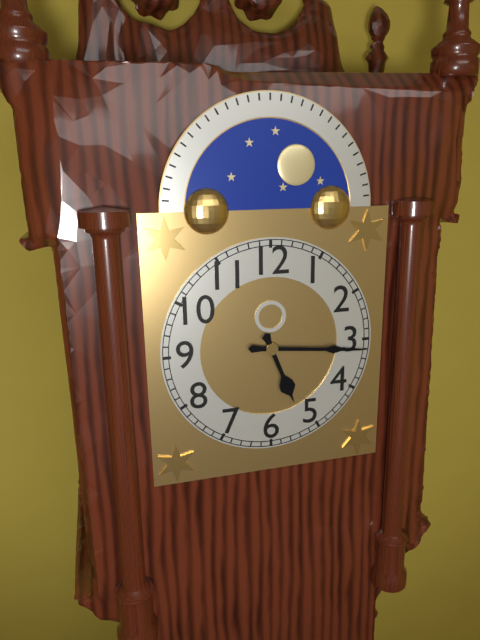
{"hour": 5, "minute": 16}
